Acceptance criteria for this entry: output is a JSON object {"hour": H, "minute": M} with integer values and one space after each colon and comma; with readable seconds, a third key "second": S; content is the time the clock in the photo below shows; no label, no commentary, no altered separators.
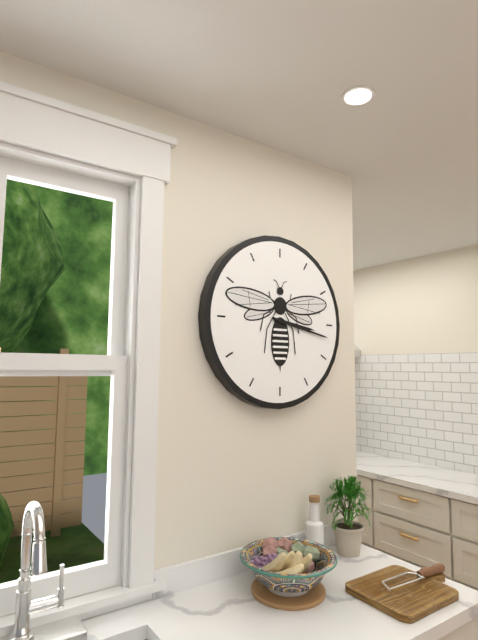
{"hour": 3, "minute": 17}
